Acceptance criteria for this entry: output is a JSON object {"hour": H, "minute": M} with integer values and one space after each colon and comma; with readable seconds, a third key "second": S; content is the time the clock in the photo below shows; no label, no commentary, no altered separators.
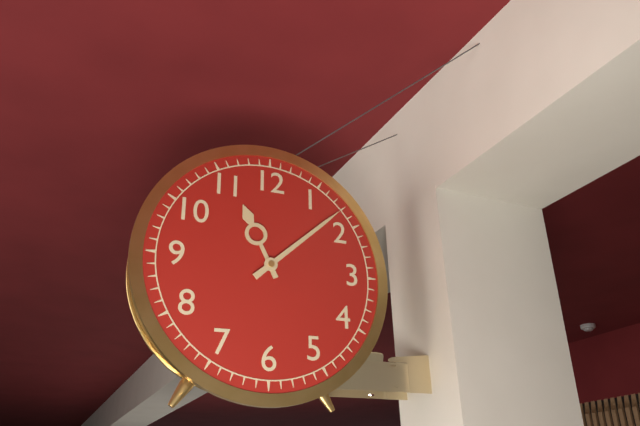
{"hour": 11, "minute": 8}
